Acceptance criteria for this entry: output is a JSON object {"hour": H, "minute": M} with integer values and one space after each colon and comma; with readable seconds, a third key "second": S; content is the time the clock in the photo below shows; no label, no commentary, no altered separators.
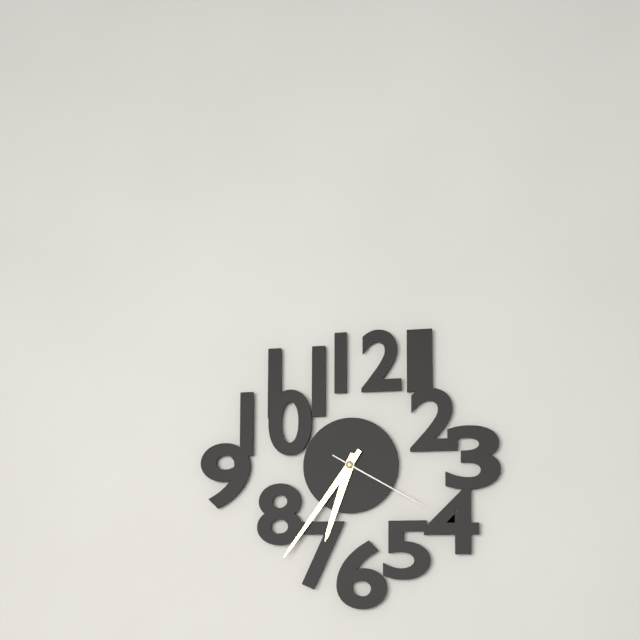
{"hour": 6, "minute": 36, "second": 20}
